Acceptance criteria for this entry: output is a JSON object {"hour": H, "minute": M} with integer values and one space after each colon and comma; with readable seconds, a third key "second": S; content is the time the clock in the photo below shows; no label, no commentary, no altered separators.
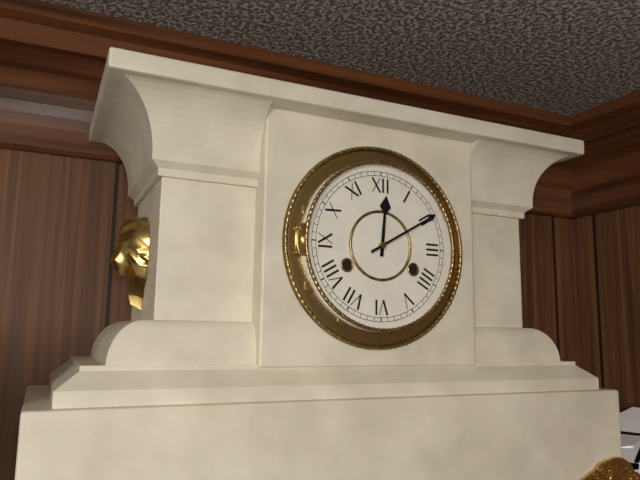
{"hour": 12, "minute": 10}
